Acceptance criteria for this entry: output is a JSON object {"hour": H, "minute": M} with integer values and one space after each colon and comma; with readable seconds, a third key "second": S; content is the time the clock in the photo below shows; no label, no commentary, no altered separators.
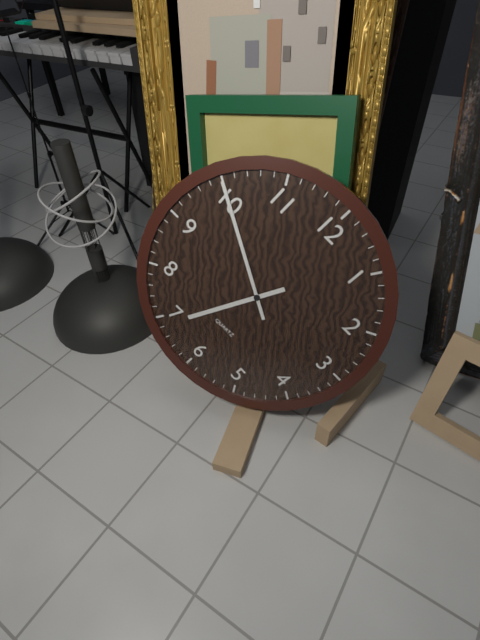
{"hour": 6, "minute": 50}
